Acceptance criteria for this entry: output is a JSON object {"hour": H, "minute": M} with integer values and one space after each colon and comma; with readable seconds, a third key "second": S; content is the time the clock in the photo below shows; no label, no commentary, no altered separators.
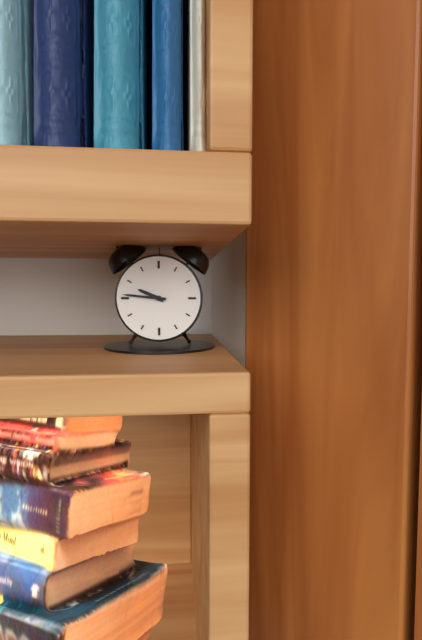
{"hour": 9, "minute": 46}
